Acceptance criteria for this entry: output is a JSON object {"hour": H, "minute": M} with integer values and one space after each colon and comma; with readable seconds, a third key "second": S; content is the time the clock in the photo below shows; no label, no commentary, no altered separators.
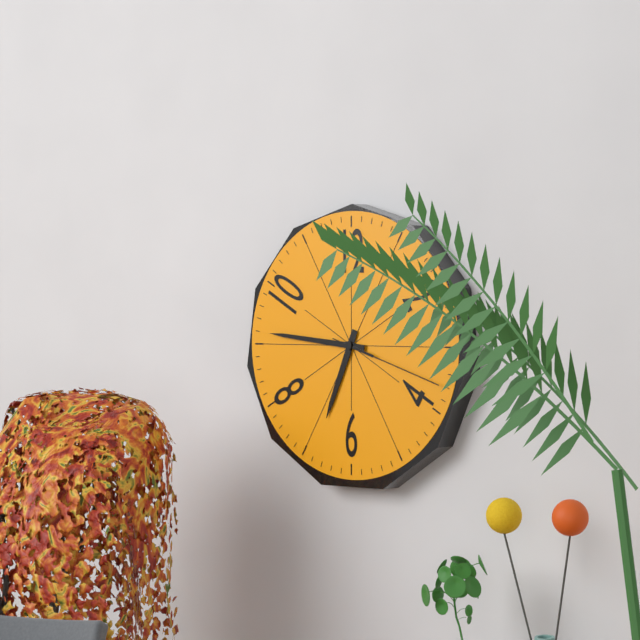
{"hour": 6, "minute": 46, "second": 18}
